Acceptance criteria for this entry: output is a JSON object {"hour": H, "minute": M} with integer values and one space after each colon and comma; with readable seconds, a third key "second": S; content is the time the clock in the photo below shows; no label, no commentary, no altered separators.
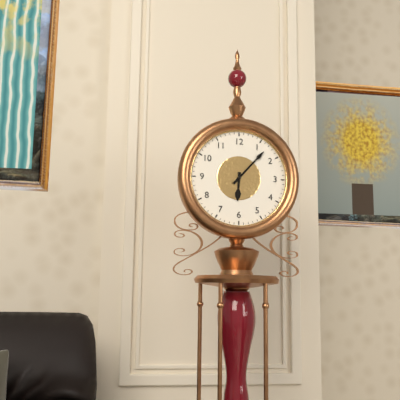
{"hour": 6, "minute": 7}
